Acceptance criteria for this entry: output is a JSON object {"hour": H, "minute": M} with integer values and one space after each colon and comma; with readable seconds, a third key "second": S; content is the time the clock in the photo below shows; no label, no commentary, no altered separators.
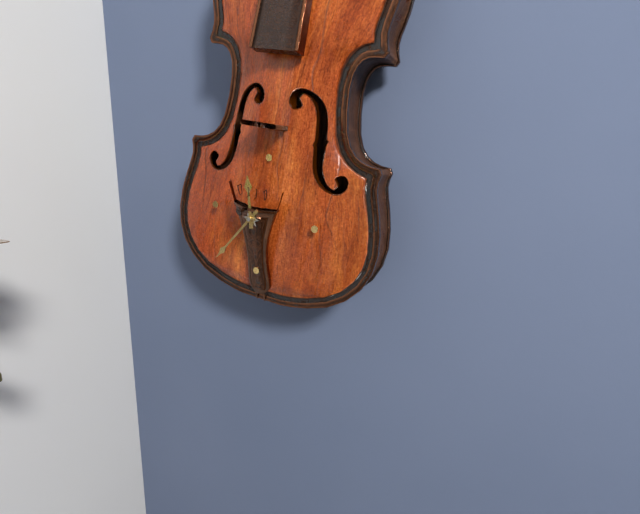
{"hour": 11, "minute": 36}
